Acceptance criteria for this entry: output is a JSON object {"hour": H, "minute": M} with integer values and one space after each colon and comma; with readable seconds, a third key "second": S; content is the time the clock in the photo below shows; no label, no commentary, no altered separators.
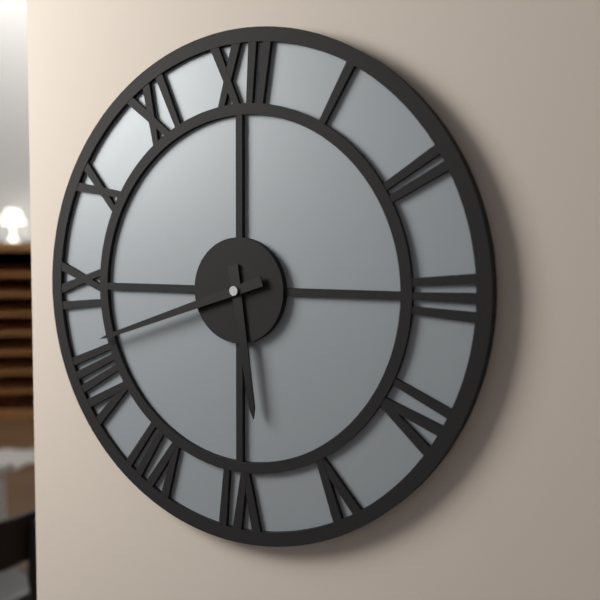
{"hour": 5, "minute": 42}
